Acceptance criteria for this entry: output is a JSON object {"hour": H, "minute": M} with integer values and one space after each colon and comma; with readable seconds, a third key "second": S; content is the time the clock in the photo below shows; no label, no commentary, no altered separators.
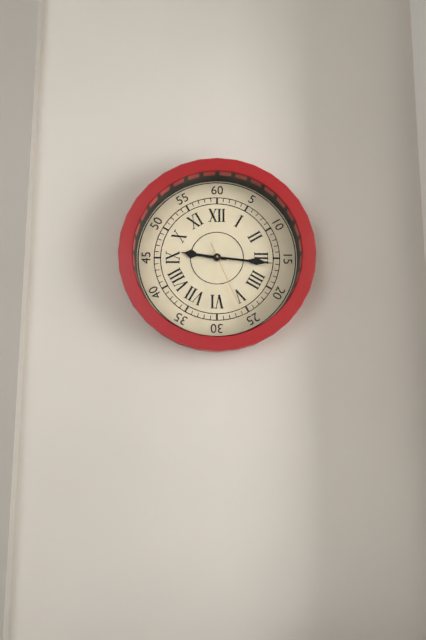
{"hour": 9, "minute": 16, "second": 26}
